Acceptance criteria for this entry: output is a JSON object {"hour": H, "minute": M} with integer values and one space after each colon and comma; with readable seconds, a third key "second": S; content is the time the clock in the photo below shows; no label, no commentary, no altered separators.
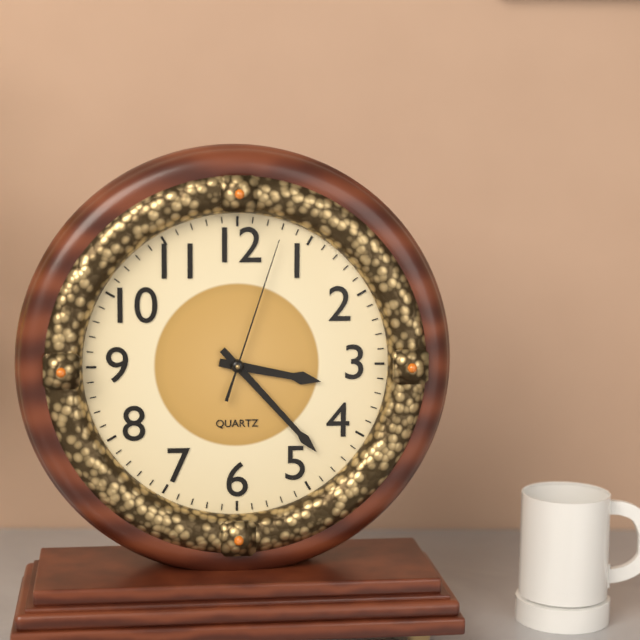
{"hour": 3, "minute": 23, "second": 3}
